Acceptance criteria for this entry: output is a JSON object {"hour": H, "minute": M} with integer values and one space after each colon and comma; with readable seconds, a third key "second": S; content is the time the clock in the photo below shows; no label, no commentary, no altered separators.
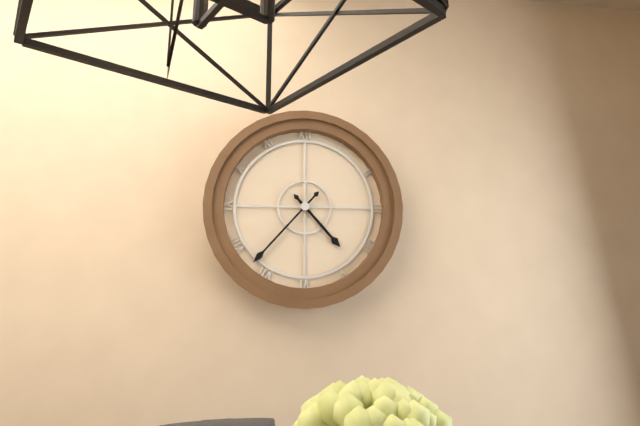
{"hour": 4, "minute": 37}
